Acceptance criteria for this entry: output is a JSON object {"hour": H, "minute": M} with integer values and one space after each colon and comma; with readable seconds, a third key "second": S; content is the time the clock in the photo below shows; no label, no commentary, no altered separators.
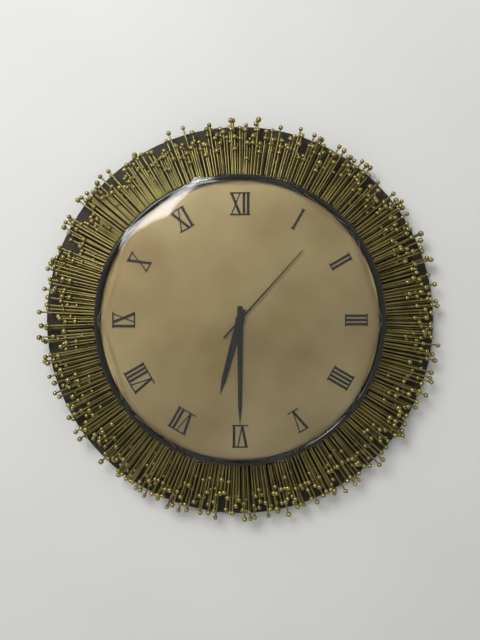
{"hour": 6, "minute": 30, "second": 7}
